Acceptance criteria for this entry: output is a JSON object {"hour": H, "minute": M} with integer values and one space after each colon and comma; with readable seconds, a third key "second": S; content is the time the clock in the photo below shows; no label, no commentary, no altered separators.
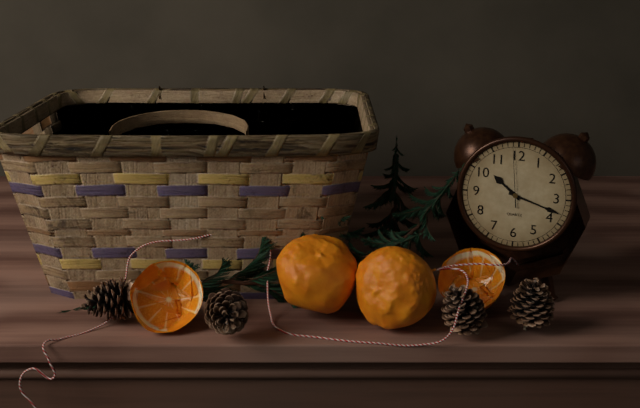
{"hour": 10, "minute": 18, "second": 59}
